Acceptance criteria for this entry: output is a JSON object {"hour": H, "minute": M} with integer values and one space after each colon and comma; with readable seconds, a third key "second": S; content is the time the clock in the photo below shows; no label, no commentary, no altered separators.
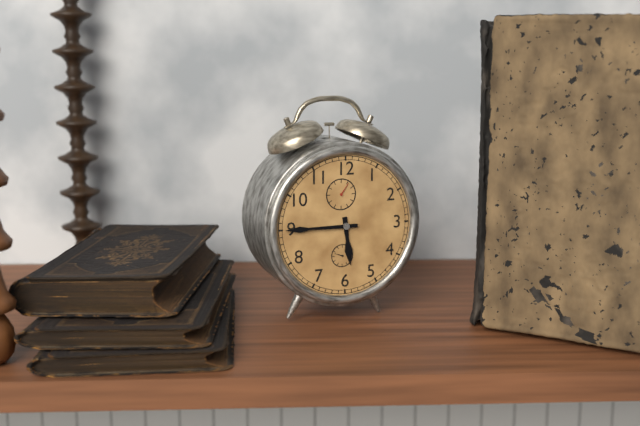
{"hour": 5, "minute": 45}
